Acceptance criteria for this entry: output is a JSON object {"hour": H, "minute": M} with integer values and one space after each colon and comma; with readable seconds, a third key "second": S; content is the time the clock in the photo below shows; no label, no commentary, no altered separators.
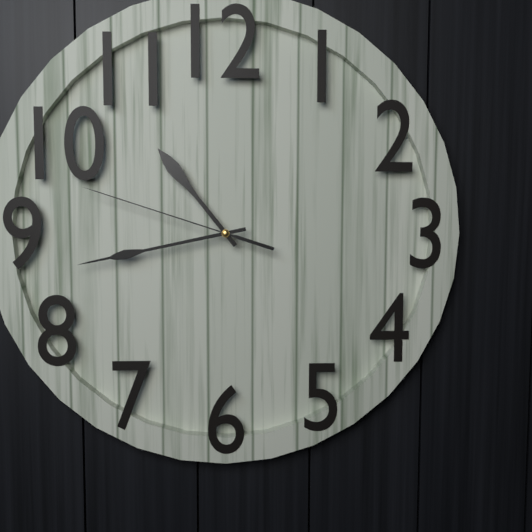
{"hour": 10, "minute": 43, "second": 48}
